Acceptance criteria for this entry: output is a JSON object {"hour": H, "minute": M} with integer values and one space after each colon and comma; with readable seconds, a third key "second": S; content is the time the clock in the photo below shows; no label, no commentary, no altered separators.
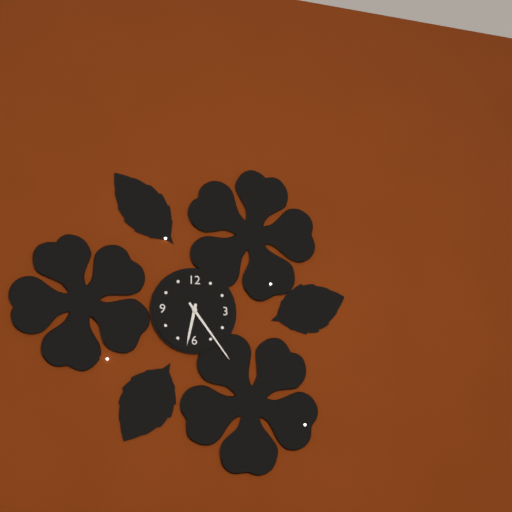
{"hour": 6, "minute": 24}
